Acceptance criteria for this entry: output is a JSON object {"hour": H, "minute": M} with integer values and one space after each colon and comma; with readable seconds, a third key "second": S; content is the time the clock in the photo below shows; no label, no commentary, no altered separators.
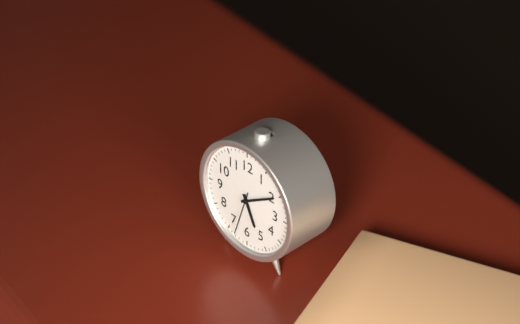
{"hour": 5, "minute": 10}
